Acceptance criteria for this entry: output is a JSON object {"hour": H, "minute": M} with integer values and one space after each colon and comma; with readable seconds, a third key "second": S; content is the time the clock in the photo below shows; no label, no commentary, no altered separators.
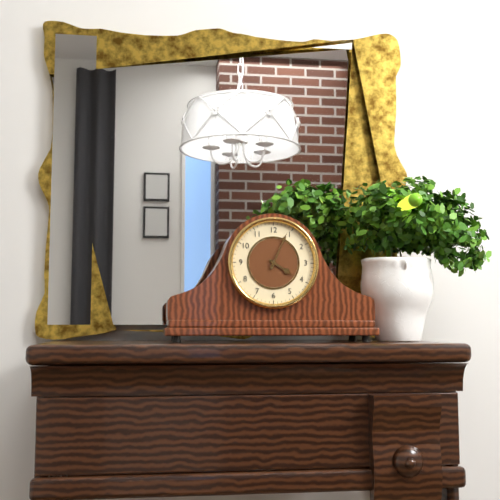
{"hour": 4, "minute": 4}
